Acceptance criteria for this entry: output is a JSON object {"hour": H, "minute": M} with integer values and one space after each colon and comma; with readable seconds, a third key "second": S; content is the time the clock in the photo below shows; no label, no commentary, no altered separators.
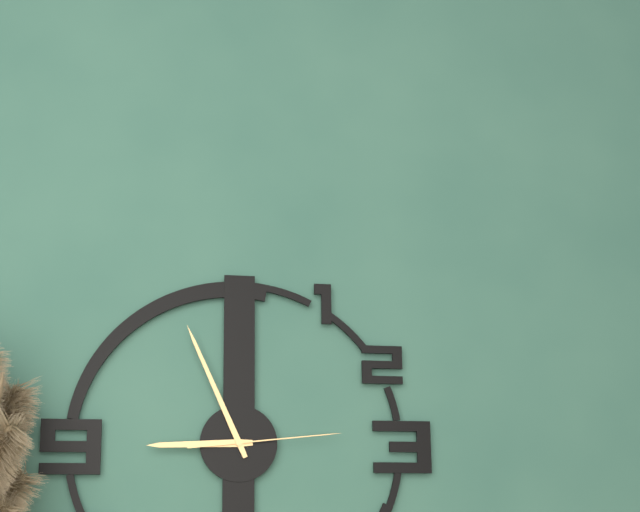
{"hour": 8, "minute": 56, "second": 14}
